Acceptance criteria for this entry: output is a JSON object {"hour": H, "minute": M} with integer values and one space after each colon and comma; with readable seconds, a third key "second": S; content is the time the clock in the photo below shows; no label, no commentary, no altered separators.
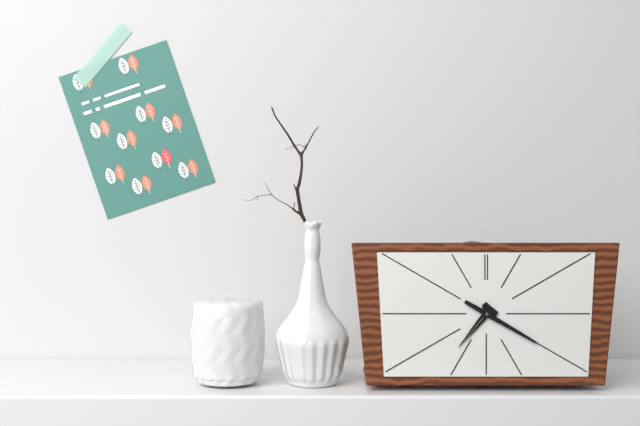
{"hour": 7, "minute": 20}
